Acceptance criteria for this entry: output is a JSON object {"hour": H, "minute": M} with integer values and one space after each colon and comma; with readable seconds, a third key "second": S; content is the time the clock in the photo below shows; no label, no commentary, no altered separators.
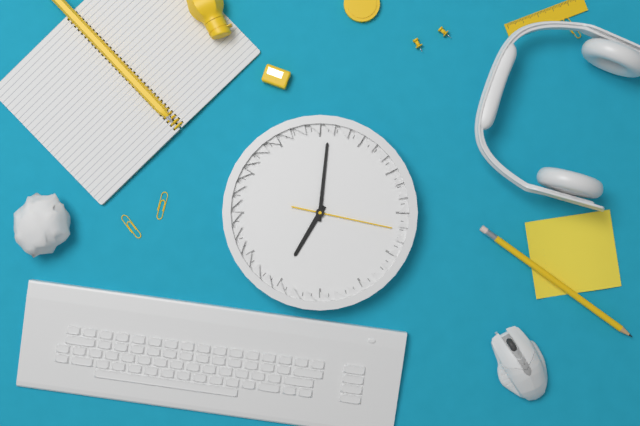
{"hour": 7, "minute": 1, "second": 17}
